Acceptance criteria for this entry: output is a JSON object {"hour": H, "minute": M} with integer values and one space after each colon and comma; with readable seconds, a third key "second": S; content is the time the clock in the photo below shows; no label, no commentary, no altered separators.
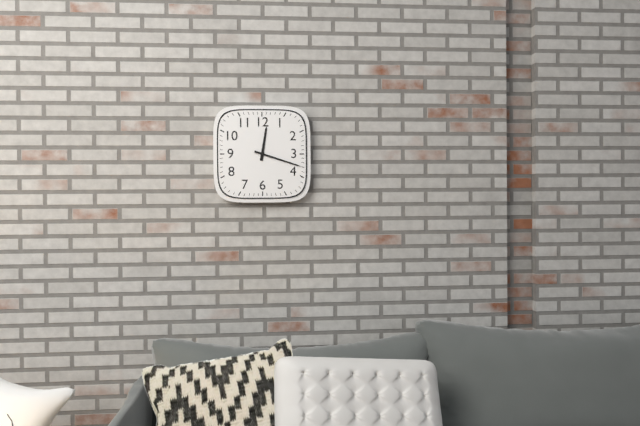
{"hour": 12, "minute": 18}
